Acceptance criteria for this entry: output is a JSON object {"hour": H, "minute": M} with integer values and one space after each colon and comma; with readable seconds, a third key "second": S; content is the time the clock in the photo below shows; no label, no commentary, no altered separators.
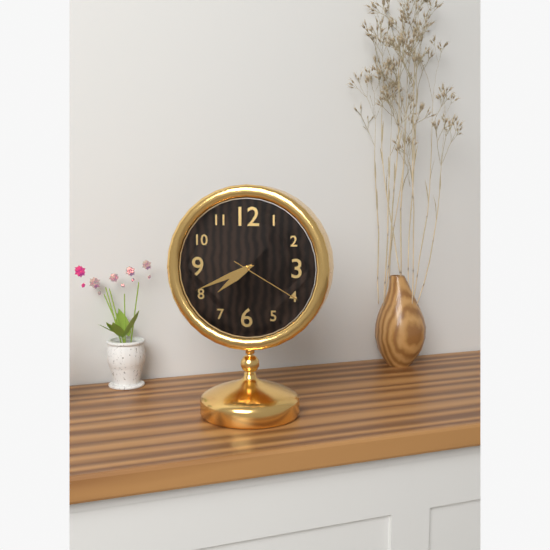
{"hour": 7, "minute": 41, "second": 20}
